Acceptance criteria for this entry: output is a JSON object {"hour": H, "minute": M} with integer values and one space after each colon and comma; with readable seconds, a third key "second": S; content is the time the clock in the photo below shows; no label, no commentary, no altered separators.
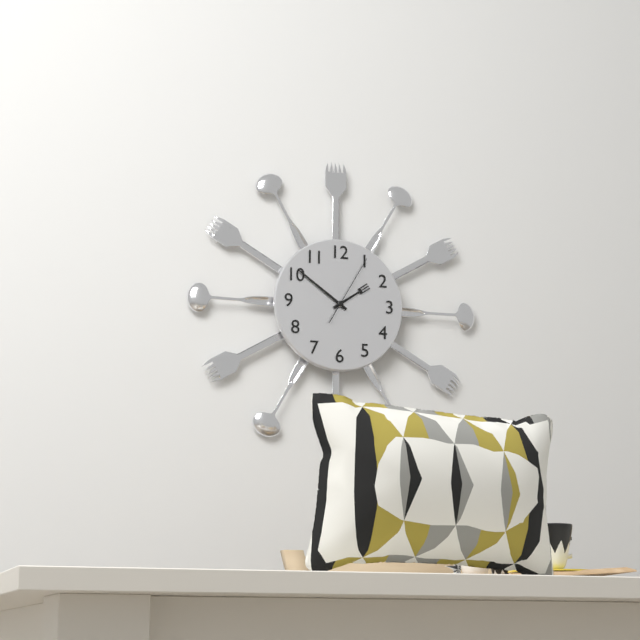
{"hour": 1, "minute": 51, "second": 5}
